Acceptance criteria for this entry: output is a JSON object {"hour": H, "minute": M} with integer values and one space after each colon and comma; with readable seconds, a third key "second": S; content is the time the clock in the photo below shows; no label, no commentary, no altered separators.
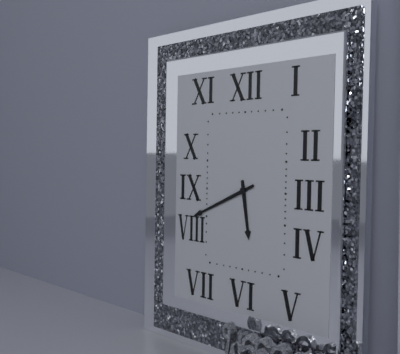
{"hour": 5, "minute": 41}
